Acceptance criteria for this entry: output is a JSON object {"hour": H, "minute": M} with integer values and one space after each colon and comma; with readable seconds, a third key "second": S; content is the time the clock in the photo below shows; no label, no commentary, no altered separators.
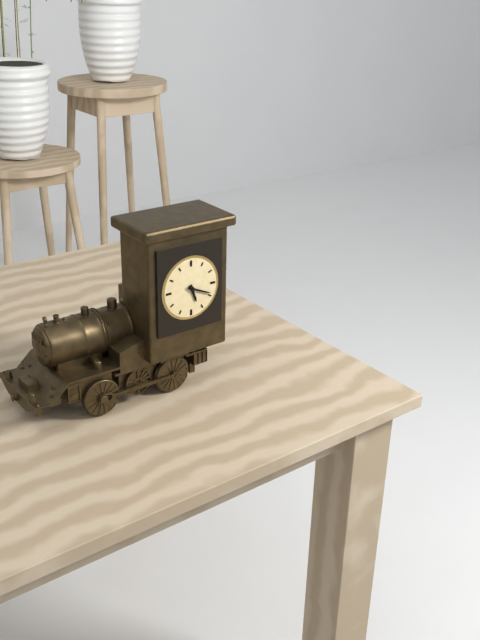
{"hour": 5, "minute": 19}
